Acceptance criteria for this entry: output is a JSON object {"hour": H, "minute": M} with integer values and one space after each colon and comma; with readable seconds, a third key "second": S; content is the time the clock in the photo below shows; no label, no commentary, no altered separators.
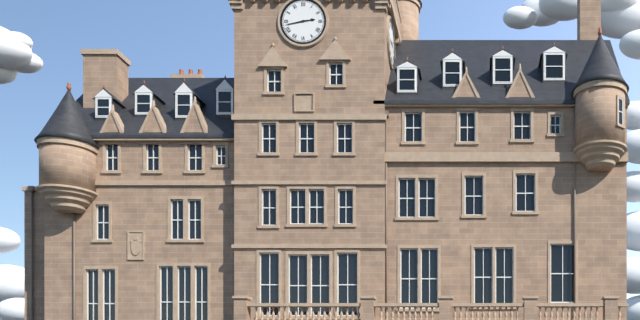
{"hour": 2, "minute": 43}
